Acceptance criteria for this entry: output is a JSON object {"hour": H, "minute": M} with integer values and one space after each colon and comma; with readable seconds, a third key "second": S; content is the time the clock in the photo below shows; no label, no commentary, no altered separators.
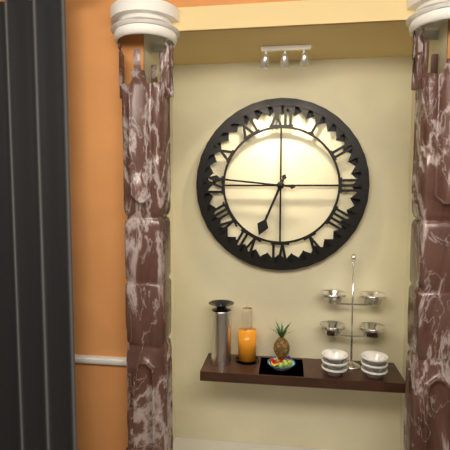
{"hour": 6, "minute": 46}
